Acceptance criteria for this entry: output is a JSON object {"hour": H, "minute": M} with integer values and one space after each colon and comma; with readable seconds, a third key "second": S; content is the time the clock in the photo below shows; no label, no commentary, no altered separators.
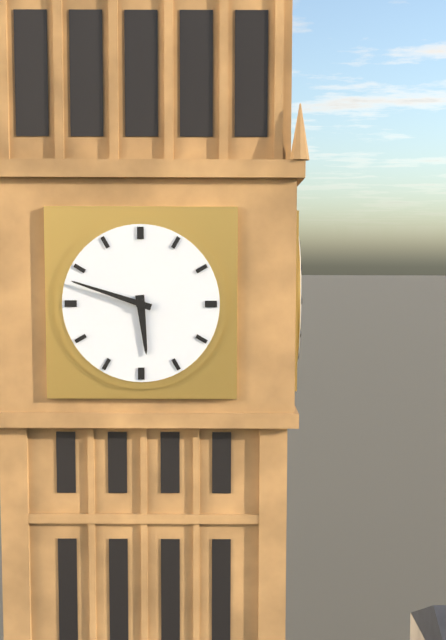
{"hour": 5, "minute": 48}
